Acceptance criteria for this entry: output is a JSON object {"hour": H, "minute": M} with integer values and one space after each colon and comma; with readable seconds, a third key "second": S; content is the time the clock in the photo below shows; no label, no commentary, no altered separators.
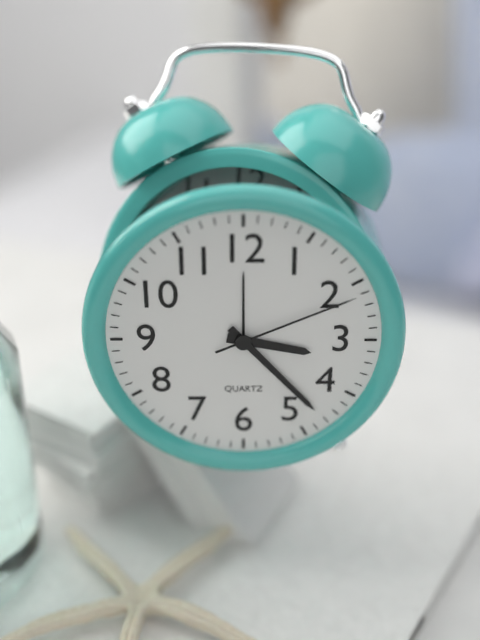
{"hour": 3, "minute": 23, "second": 11}
